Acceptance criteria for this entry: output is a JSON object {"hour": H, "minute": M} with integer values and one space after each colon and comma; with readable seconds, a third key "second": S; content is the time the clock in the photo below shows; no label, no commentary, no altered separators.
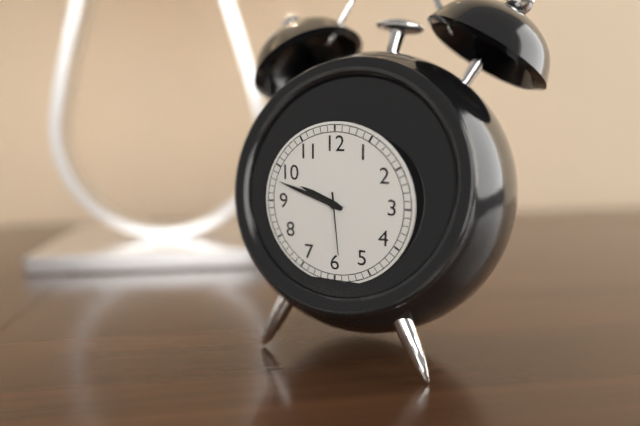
{"hour": 9, "minute": 48, "second": 29}
